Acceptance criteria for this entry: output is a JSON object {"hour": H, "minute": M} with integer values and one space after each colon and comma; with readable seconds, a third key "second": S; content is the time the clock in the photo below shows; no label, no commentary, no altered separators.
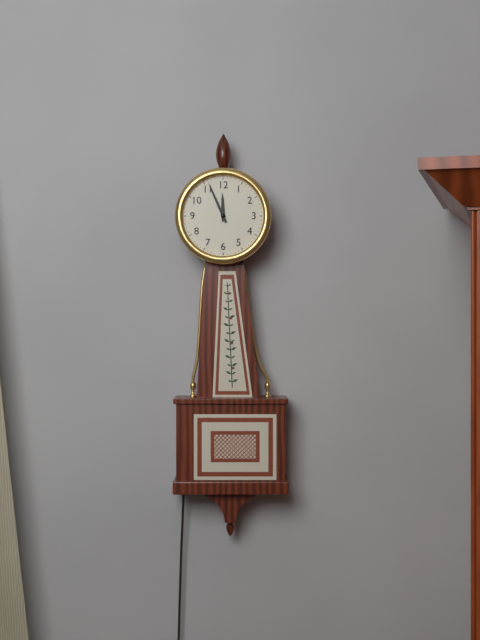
{"hour": 11, "minute": 56}
